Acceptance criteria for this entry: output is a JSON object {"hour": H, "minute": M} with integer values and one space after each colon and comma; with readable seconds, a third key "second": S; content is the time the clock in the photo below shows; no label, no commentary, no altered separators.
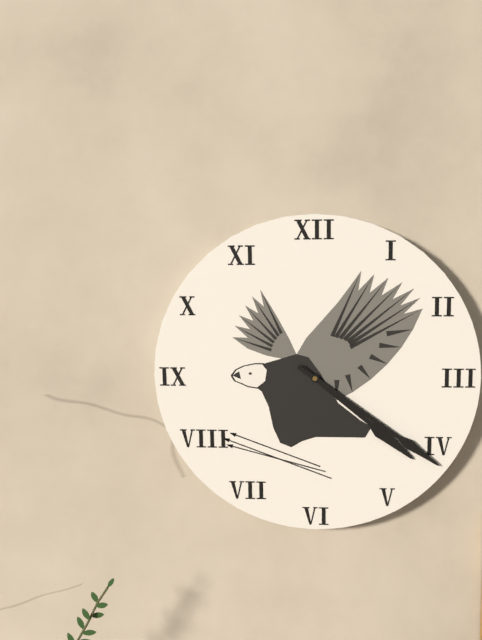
{"hour": 4, "minute": 21}
